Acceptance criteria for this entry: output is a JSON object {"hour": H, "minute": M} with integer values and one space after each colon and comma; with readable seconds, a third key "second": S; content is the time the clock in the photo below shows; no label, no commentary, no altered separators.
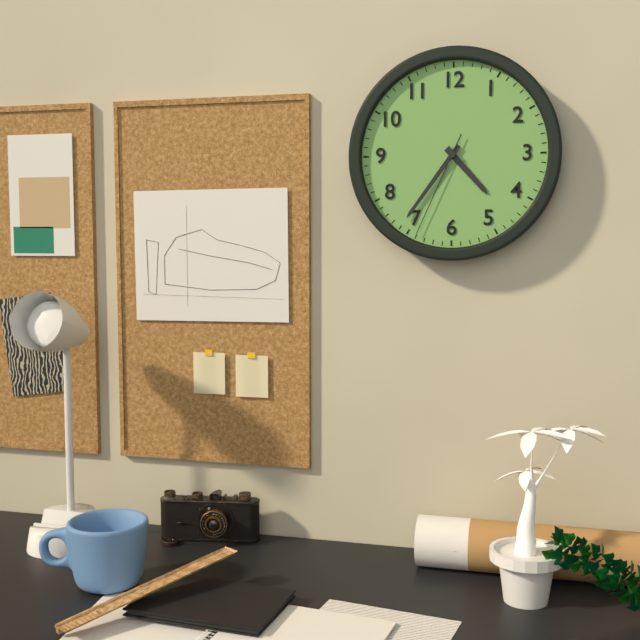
{"hour": 4, "minute": 36, "second": 34}
